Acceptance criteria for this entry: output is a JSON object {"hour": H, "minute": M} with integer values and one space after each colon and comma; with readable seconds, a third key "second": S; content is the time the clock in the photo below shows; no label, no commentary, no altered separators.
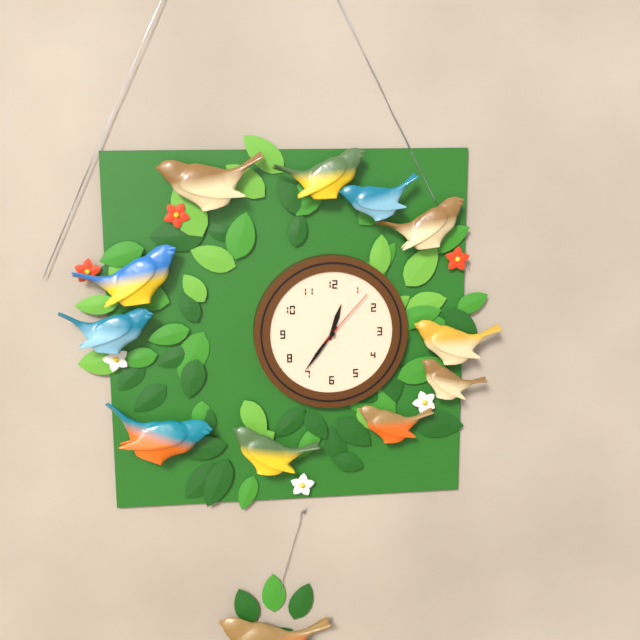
{"hour": 12, "minute": 36, "second": 7}
